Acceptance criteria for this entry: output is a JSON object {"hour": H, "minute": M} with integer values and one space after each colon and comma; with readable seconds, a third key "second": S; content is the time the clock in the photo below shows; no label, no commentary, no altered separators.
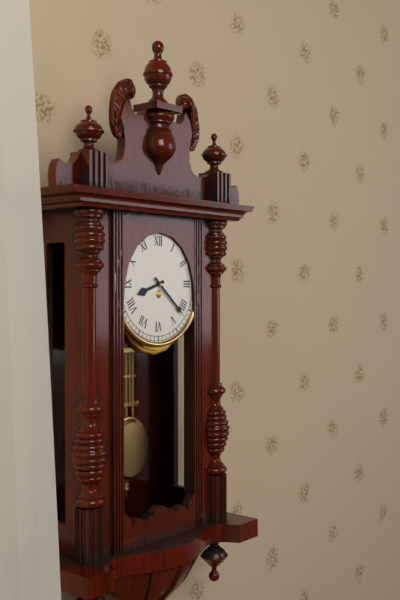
{"hour": 8, "minute": 22}
